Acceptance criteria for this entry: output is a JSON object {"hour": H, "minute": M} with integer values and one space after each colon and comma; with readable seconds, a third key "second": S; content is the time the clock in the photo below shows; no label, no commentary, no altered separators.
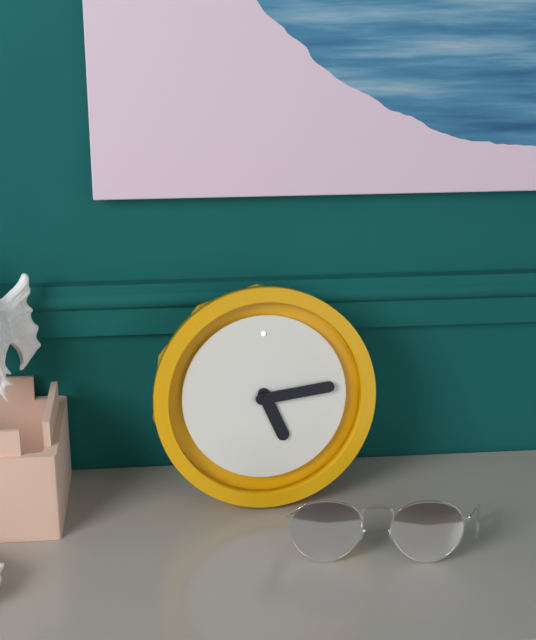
{"hour": 5, "minute": 14}
